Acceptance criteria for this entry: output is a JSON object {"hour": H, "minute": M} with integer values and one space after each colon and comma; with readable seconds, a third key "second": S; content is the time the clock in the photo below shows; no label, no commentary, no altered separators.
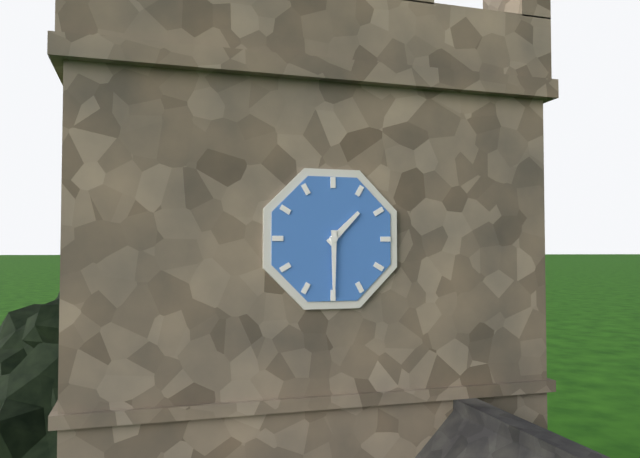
{"hour": 1, "minute": 30}
